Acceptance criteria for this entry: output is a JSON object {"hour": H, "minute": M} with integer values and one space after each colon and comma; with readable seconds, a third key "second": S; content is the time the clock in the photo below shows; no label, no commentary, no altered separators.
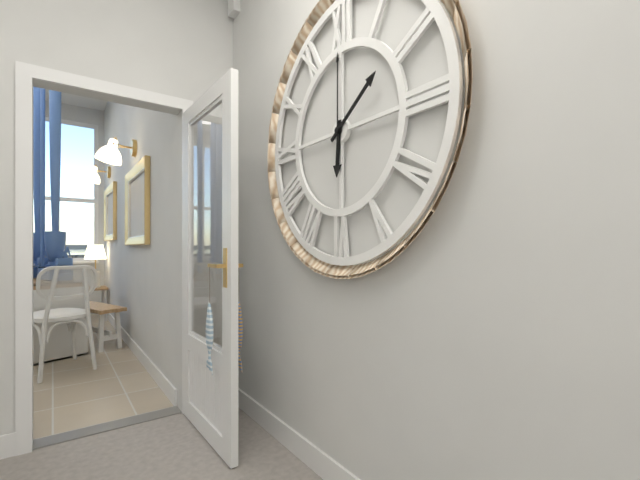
{"hour": 6, "minute": 9, "second": 0}
